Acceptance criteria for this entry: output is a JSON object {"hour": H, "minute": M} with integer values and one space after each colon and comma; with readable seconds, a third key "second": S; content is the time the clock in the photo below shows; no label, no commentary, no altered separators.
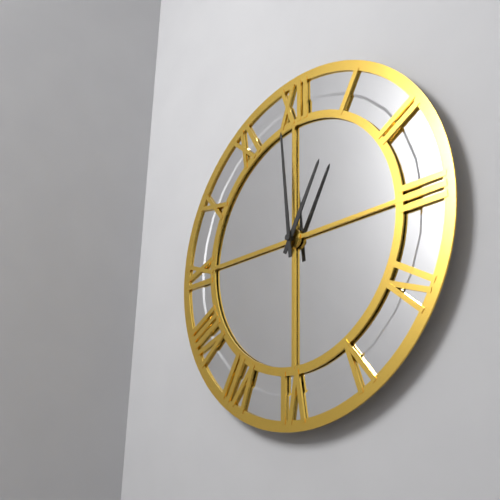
{"hour": 12, "minute": 59}
